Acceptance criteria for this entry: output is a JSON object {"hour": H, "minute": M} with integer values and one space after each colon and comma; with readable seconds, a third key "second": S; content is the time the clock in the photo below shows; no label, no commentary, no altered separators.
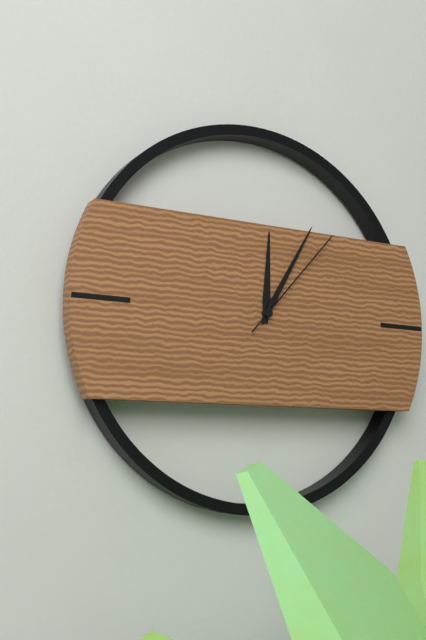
{"hour": 12, "minute": 5, "second": 7}
